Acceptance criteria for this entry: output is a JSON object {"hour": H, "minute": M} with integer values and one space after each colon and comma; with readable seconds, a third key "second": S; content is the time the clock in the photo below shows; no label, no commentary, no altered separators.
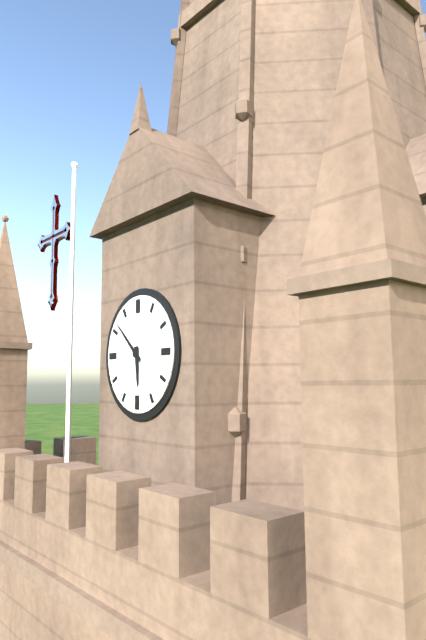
{"hour": 5, "minute": 52}
